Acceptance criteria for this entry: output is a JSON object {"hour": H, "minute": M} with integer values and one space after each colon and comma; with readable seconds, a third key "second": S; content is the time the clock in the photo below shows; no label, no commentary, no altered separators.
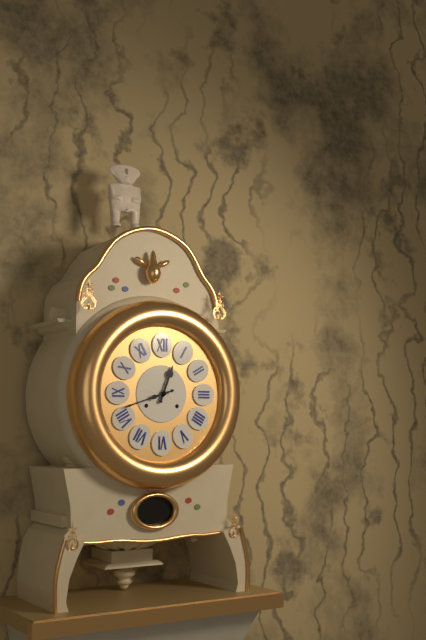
{"hour": 12, "minute": 42}
